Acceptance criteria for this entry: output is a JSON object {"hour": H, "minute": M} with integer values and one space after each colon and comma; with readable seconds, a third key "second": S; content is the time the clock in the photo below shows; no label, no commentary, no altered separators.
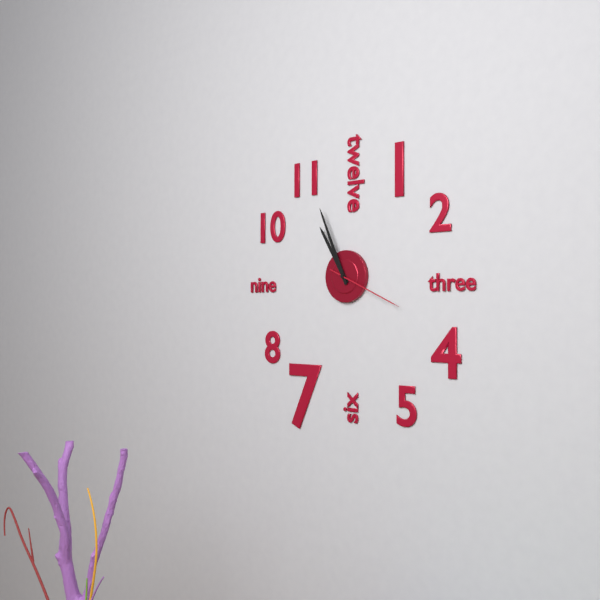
{"hour": 10, "minute": 56, "second": 19}
